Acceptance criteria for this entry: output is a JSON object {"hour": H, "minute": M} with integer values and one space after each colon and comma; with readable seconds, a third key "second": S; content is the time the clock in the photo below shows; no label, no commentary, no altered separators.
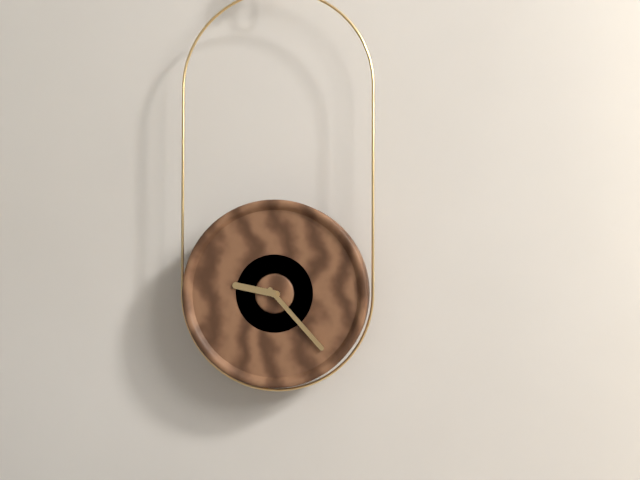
{"hour": 9, "minute": 23}
